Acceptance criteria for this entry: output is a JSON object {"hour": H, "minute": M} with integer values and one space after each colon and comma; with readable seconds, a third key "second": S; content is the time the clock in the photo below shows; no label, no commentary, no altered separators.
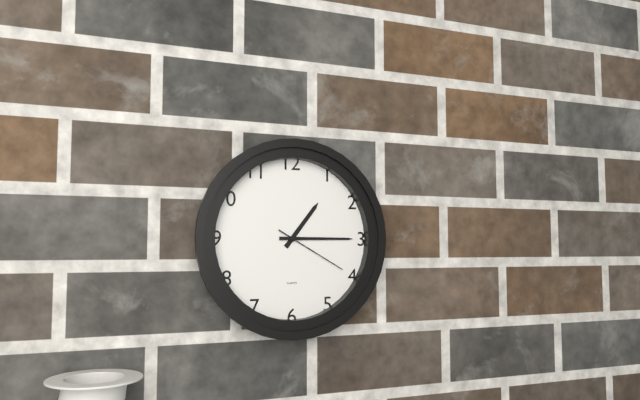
{"hour": 1, "minute": 15, "second": 20}
